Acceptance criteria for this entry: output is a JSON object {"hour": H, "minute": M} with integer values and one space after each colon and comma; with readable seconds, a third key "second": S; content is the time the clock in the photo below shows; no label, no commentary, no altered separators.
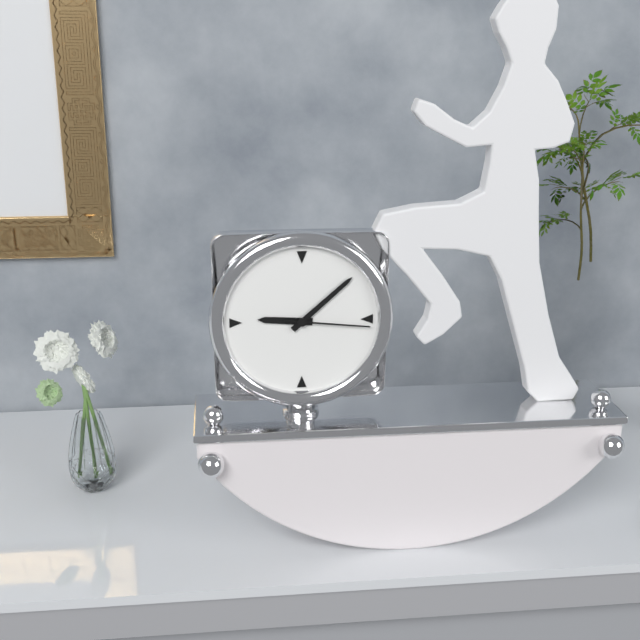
{"hour": 9, "minute": 8, "second": 16}
